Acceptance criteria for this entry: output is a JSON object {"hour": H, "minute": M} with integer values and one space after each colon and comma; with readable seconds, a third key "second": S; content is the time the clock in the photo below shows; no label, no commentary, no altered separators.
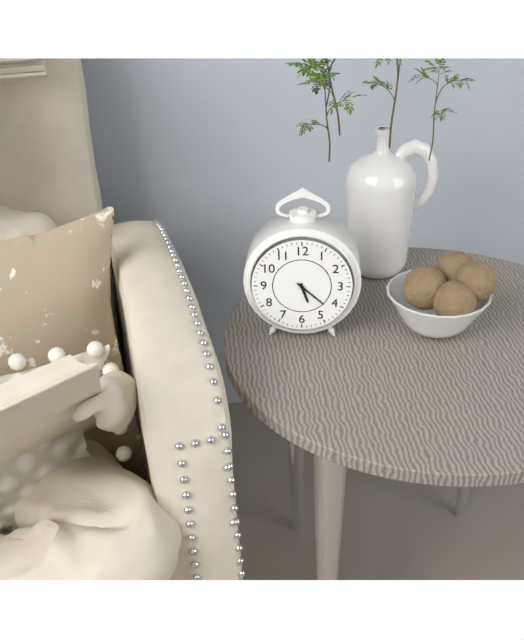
{"hour": 5, "minute": 22}
